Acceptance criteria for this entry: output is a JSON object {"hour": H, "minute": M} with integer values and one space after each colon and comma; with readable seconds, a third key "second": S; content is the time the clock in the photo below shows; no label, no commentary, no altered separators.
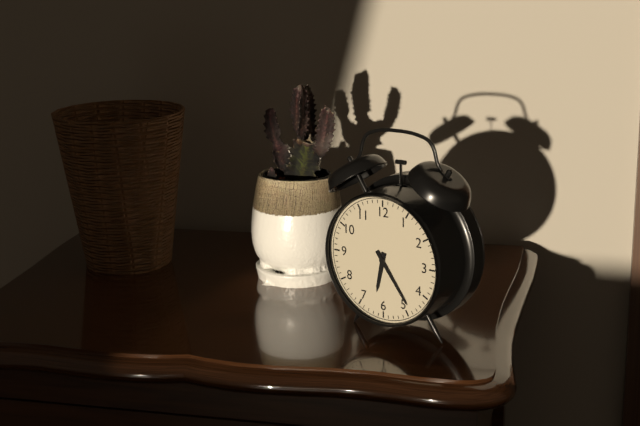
{"hour": 6, "minute": 24}
